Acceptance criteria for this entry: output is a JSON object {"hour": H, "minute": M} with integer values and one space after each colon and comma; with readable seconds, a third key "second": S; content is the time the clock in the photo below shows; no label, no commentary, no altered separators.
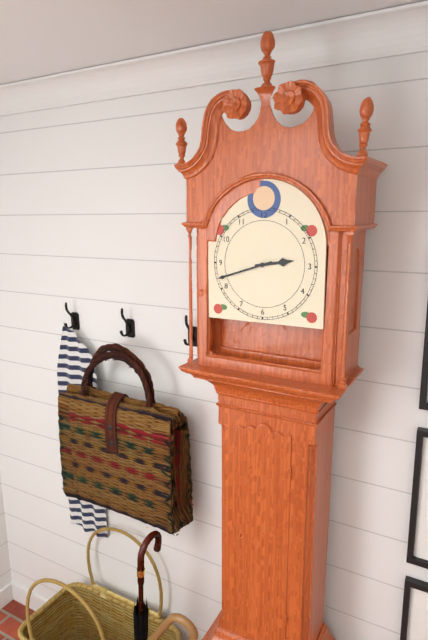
{"hour": 2, "minute": 42}
